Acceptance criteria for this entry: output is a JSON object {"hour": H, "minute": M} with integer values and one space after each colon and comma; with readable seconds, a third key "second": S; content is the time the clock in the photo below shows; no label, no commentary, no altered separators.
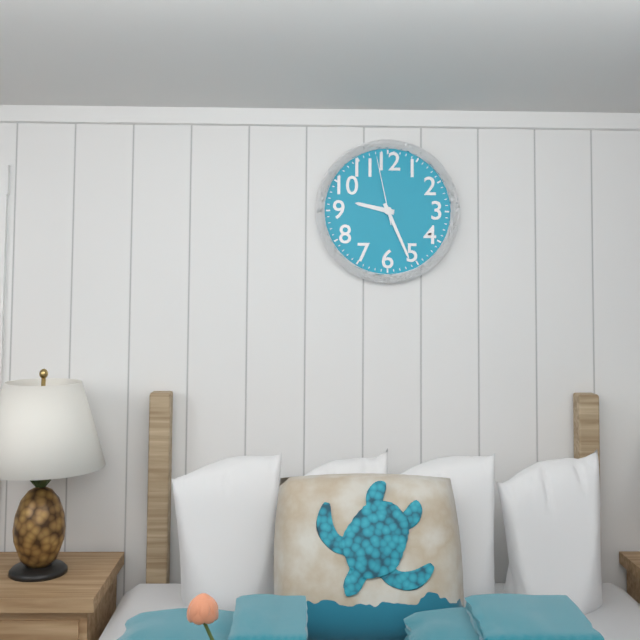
{"hour": 9, "minute": 26, "second": 58}
